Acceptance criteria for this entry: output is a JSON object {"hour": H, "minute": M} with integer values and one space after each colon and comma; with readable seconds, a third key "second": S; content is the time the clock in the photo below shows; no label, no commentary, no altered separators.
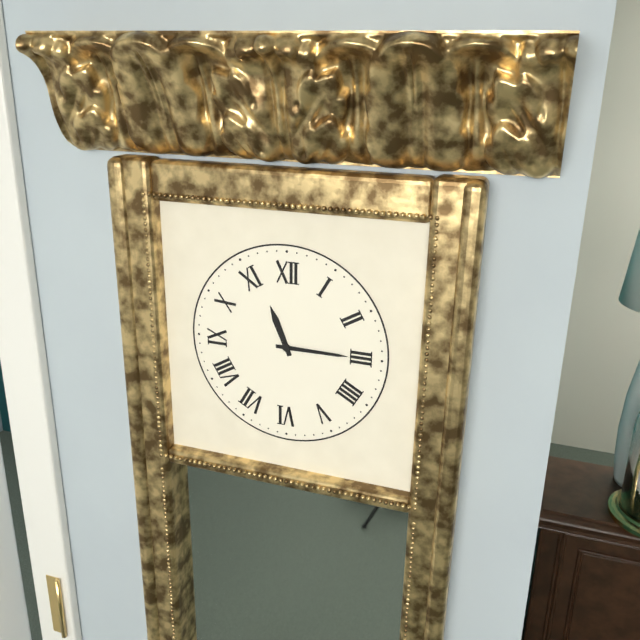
{"hour": 11, "minute": 15}
